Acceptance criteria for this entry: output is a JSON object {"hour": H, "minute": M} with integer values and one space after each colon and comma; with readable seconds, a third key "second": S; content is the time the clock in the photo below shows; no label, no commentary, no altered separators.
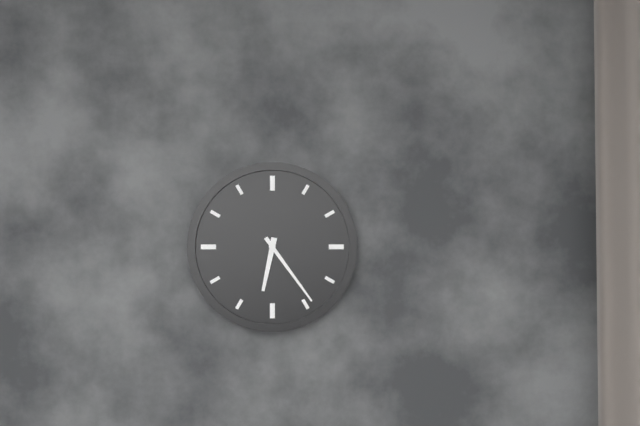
{"hour": 6, "minute": 24}
